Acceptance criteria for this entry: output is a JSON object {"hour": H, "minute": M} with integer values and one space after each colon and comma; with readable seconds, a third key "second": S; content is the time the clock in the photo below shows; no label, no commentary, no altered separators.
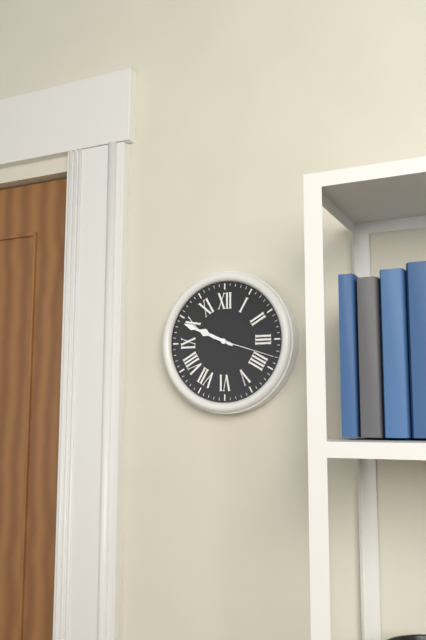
{"hour": 9, "minute": 49, "second": 18}
